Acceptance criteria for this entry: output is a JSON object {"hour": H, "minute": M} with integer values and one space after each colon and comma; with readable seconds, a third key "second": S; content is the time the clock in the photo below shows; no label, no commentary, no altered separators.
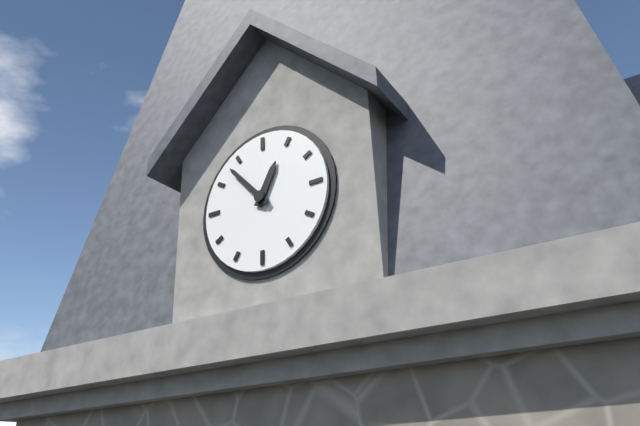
{"hour": 12, "minute": 53}
